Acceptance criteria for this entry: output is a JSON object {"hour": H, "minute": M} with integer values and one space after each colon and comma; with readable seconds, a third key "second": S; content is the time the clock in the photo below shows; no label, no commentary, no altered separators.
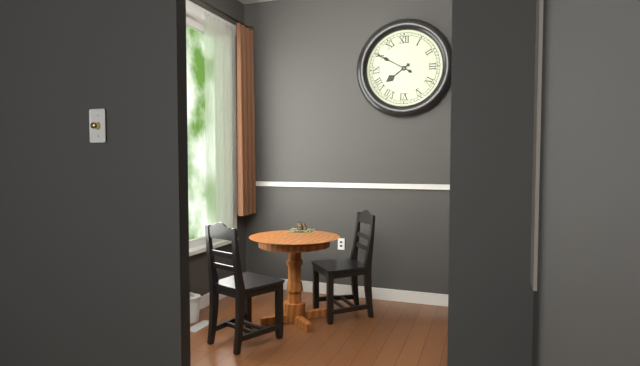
{"hour": 7, "minute": 50}
